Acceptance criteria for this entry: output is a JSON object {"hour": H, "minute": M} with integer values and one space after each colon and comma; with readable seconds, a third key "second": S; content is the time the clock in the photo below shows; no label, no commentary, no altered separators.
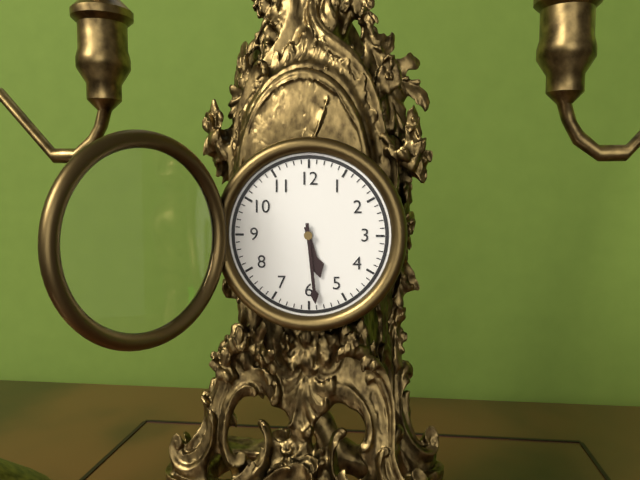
{"hour": 5, "minute": 29}
